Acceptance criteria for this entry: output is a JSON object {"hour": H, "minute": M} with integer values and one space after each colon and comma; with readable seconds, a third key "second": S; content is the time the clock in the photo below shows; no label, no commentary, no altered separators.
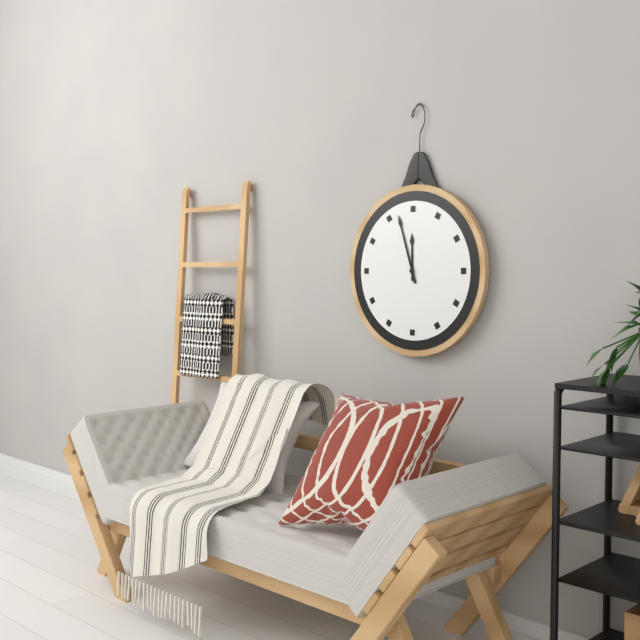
{"hour": 11, "minute": 57}
